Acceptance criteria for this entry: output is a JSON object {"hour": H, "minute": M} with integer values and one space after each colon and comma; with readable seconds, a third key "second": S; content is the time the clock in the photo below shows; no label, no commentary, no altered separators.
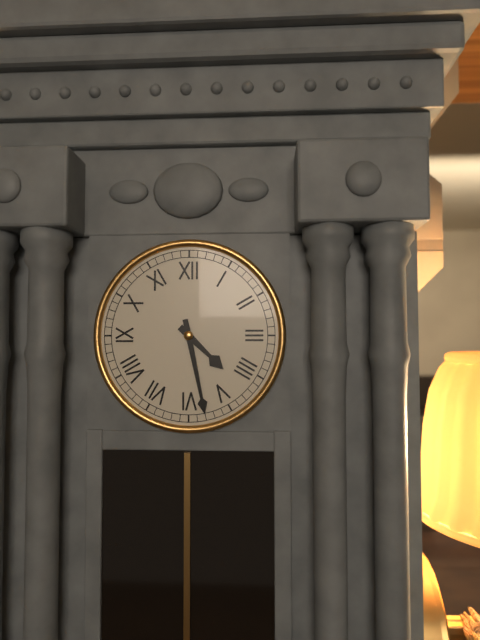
{"hour": 4, "minute": 28}
